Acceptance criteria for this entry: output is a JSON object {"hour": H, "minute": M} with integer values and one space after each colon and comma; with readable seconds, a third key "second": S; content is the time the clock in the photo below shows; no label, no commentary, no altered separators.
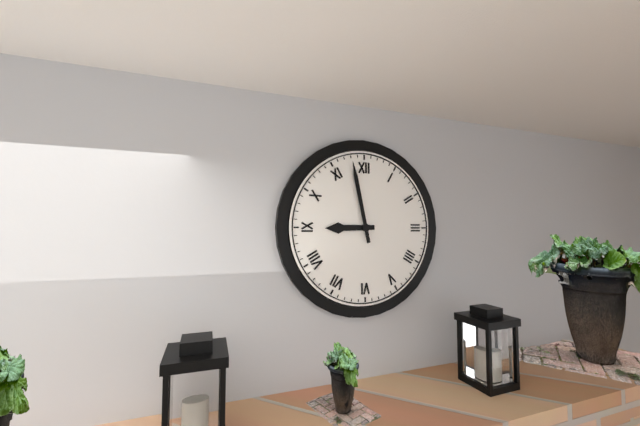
{"hour": 8, "minute": 58}
